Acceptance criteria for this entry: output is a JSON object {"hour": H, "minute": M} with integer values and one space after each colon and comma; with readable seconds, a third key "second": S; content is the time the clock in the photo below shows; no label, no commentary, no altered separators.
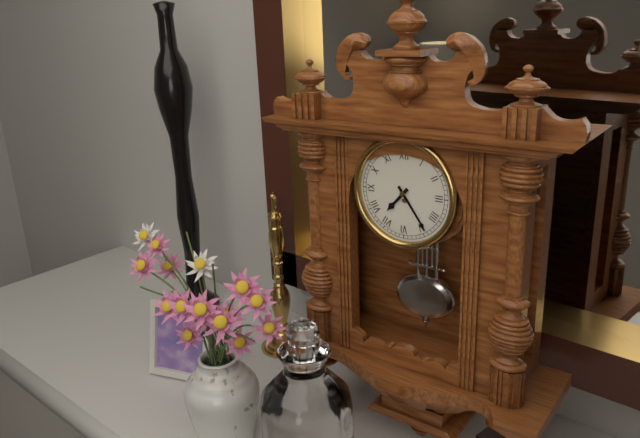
{"hour": 7, "minute": 24}
